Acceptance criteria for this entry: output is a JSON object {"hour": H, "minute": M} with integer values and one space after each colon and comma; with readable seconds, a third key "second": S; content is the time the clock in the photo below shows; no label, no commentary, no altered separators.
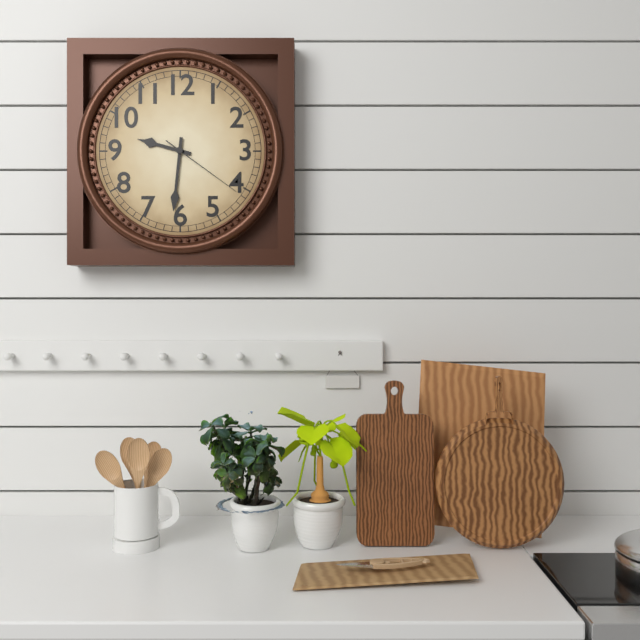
{"hour": 9, "minute": 31, "second": 21}
